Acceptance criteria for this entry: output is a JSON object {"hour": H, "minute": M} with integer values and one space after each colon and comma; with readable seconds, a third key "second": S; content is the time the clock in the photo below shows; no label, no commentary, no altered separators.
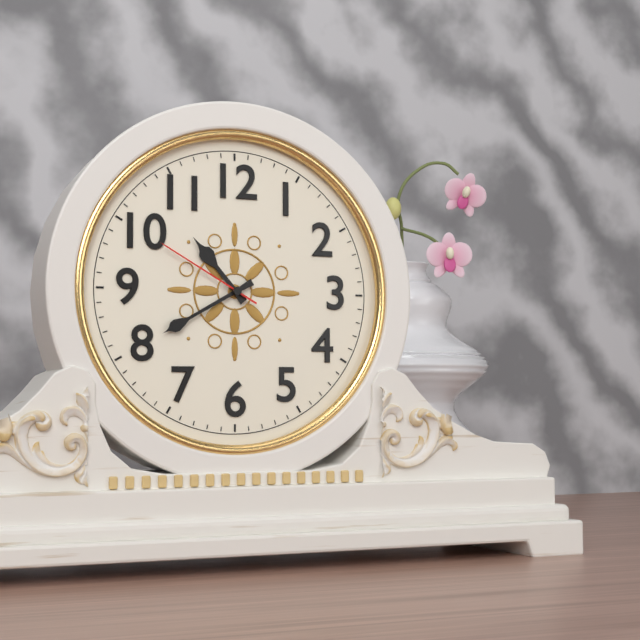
{"hour": 10, "minute": 40, "second": 50}
